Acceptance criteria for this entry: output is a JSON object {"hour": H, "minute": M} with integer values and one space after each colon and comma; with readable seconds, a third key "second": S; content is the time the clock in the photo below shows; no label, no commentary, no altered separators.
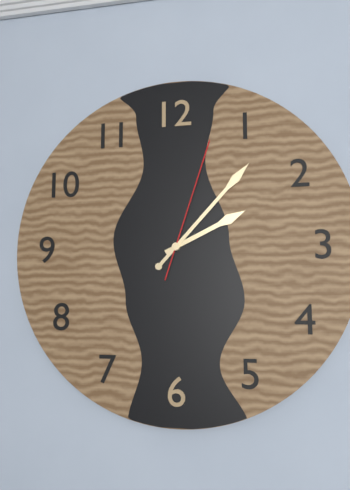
{"hour": 2, "minute": 7, "second": 3}
